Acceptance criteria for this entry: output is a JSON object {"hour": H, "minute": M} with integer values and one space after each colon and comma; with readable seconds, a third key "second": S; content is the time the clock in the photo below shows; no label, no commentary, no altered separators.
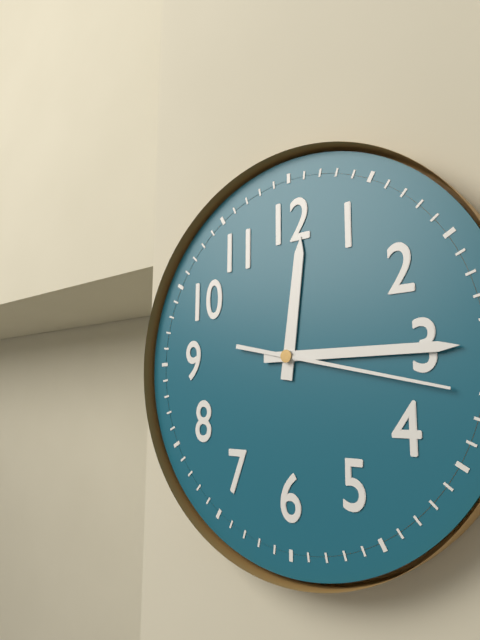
{"hour": 12, "minute": 15, "second": 17}
